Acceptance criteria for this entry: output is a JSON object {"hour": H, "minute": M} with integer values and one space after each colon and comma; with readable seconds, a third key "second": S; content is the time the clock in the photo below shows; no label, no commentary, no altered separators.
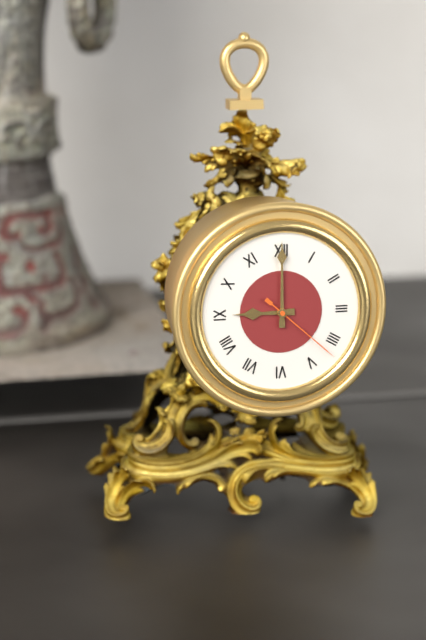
{"hour": 9, "minute": 0, "second": 22}
